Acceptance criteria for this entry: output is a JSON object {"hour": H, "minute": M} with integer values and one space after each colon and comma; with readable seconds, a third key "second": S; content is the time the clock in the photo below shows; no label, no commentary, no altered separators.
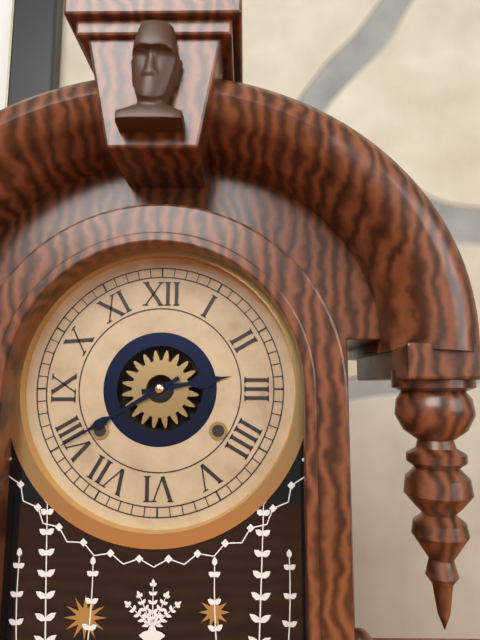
{"hour": 2, "minute": 40}
